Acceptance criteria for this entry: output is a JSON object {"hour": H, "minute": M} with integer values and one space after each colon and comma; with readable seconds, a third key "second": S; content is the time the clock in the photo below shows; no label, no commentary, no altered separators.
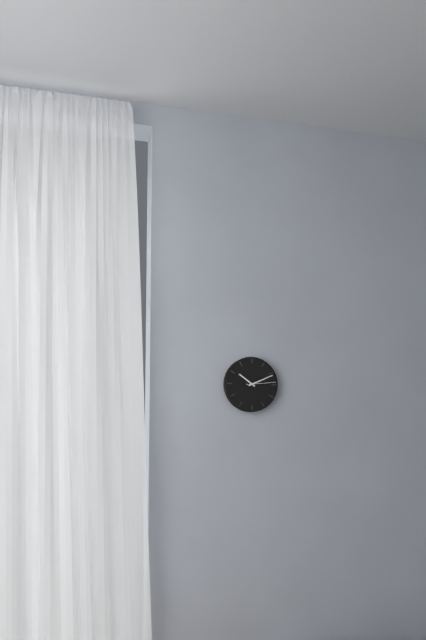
{"hour": 10, "minute": 11}
